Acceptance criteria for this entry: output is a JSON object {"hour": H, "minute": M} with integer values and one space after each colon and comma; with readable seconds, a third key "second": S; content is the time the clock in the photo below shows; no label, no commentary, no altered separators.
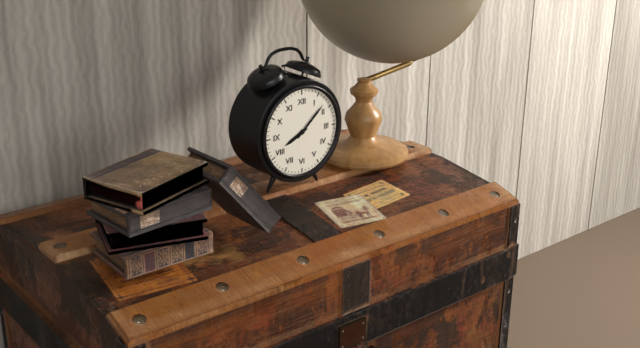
{"hour": 8, "minute": 8}
